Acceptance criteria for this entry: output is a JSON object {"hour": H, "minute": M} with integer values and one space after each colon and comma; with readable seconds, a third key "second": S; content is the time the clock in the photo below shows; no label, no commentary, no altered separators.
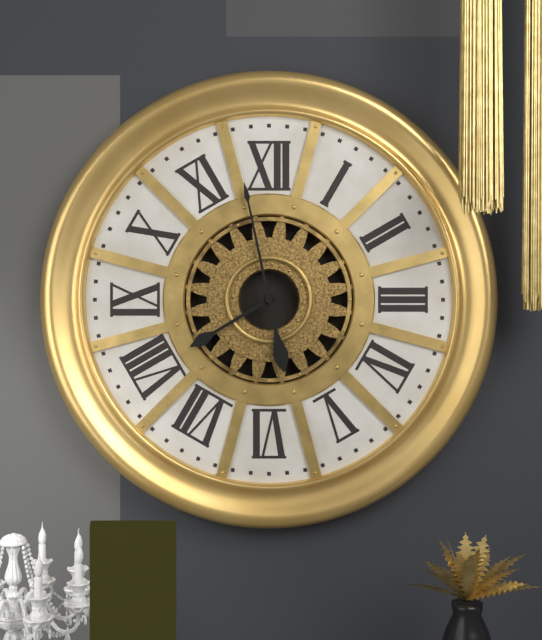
{"hour": 7, "minute": 58}
